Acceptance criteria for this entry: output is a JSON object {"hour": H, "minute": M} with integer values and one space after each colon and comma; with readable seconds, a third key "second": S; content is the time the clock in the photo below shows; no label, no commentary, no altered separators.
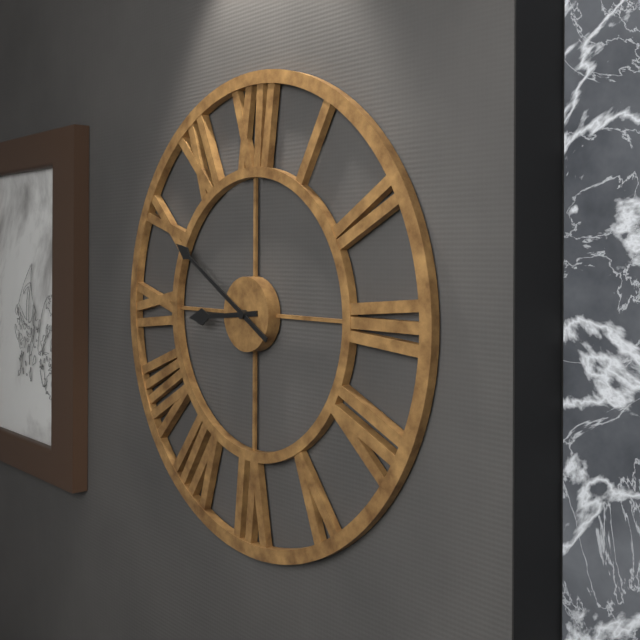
{"hour": 8, "minute": 50}
